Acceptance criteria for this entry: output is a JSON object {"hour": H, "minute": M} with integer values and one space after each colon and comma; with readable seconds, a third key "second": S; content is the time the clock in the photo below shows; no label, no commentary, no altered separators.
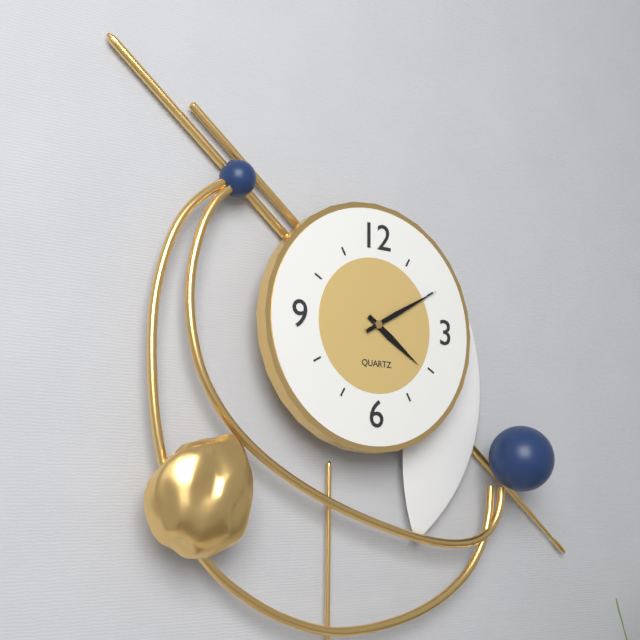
{"hour": 4, "minute": 10}
